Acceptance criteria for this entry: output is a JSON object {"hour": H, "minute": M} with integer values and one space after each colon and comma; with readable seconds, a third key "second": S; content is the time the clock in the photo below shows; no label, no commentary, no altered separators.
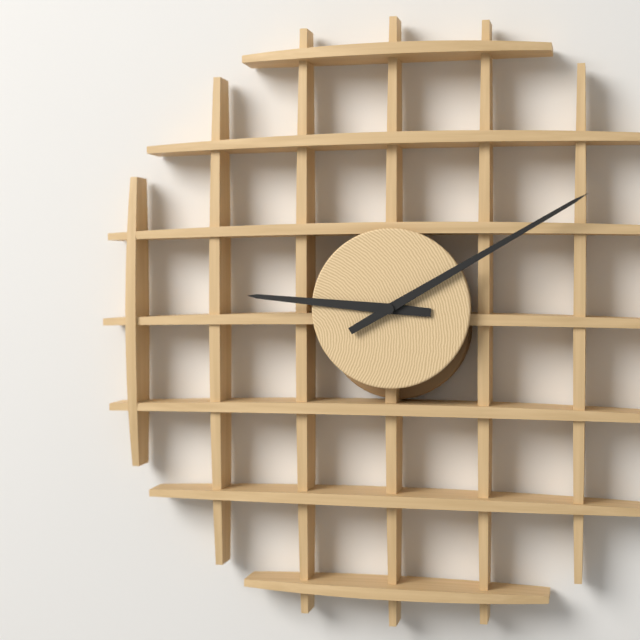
{"hour": 9, "minute": 10}
